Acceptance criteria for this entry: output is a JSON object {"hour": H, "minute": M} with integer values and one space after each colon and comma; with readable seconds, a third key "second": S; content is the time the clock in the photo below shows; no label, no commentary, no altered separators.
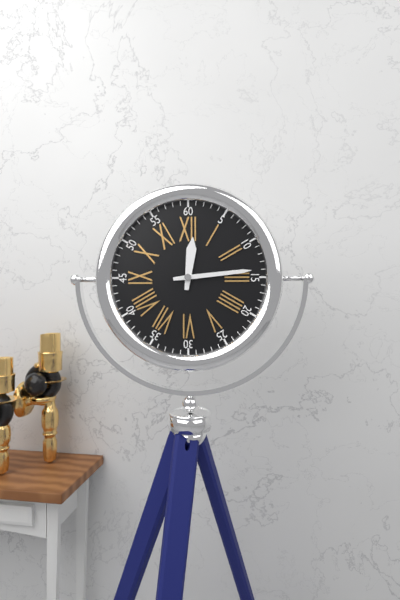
{"hour": 12, "minute": 14}
